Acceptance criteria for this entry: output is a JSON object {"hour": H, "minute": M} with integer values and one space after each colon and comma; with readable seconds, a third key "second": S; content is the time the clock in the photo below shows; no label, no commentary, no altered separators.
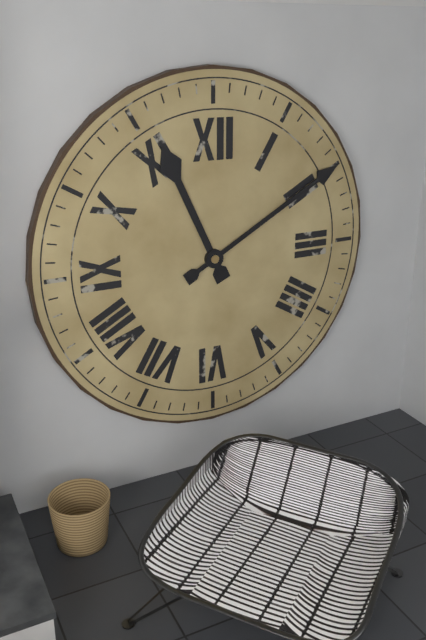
{"hour": 11, "minute": 10}
